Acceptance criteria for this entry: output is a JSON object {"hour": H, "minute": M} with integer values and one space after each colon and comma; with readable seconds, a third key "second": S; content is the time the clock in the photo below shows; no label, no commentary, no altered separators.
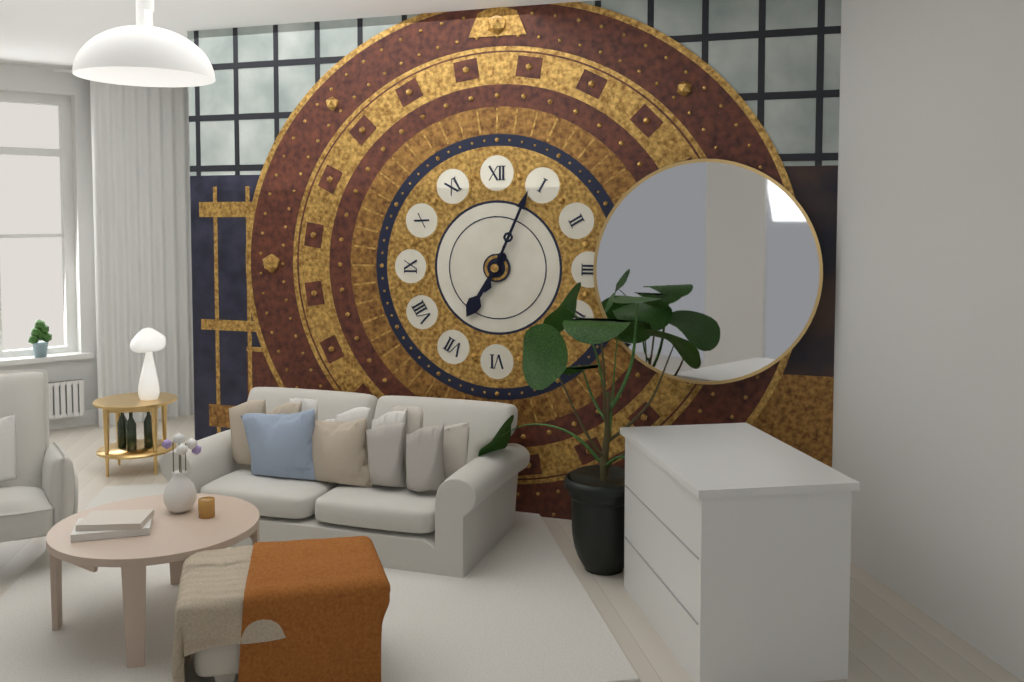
{"hour": 7, "minute": 4}
